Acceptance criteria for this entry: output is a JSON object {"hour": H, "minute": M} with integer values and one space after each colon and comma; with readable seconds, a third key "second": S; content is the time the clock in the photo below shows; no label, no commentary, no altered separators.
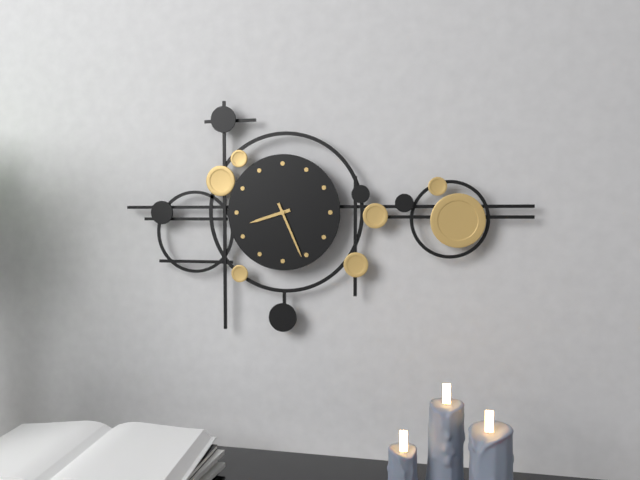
{"hour": 8, "minute": 26}
